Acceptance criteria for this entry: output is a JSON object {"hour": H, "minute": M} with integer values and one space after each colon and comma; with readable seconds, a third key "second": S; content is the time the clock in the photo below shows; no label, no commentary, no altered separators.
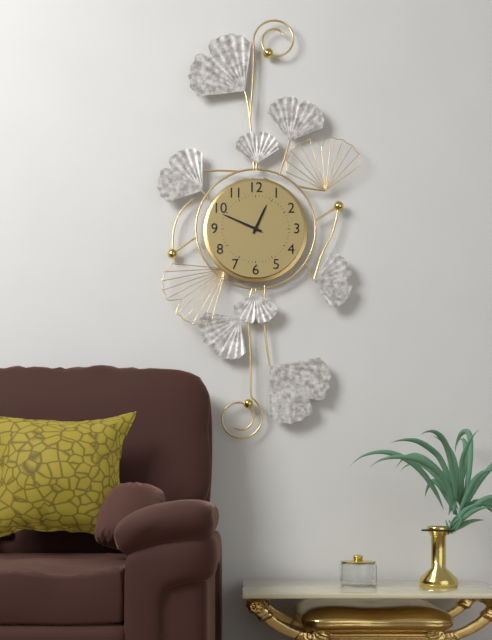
{"hour": 12, "minute": 49}
